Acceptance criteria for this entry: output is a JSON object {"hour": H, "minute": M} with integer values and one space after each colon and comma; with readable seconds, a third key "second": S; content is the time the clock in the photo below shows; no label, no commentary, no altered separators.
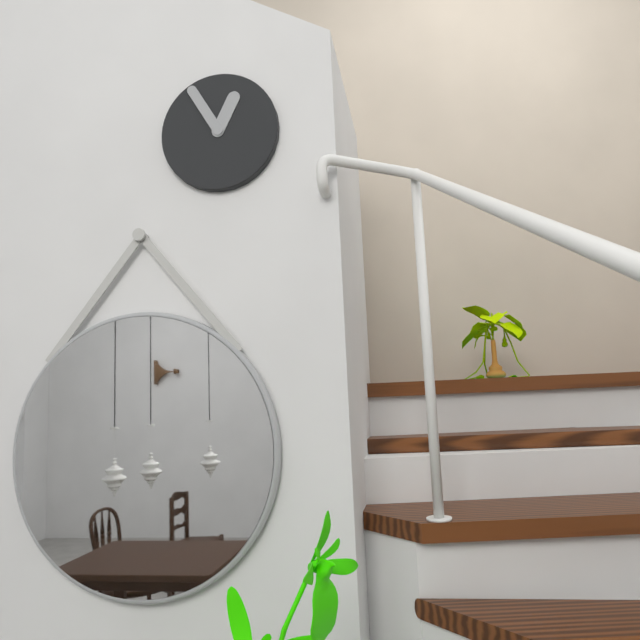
{"hour": 12, "minute": 55}
